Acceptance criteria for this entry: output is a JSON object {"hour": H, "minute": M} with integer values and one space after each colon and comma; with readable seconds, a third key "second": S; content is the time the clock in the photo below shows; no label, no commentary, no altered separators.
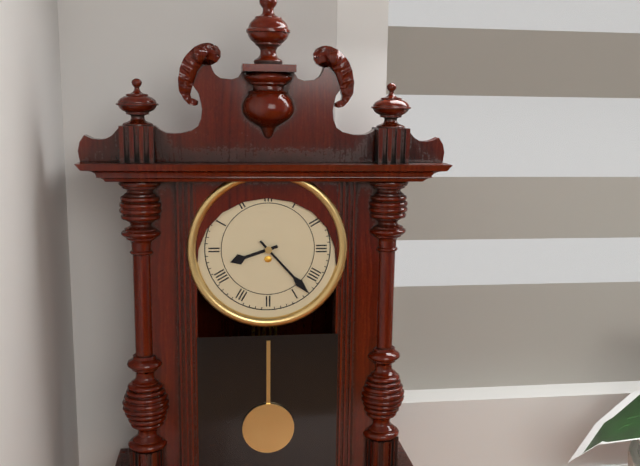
{"hour": 8, "minute": 23}
